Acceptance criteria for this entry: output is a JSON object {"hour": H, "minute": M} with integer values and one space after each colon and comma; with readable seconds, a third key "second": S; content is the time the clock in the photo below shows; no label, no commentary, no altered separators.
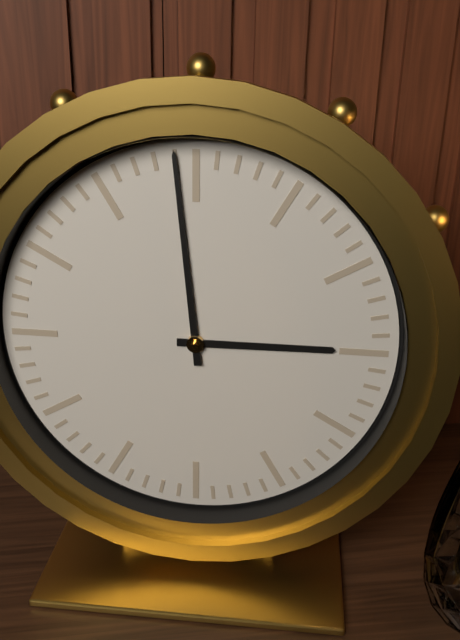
{"hour": 2, "minute": 59}
